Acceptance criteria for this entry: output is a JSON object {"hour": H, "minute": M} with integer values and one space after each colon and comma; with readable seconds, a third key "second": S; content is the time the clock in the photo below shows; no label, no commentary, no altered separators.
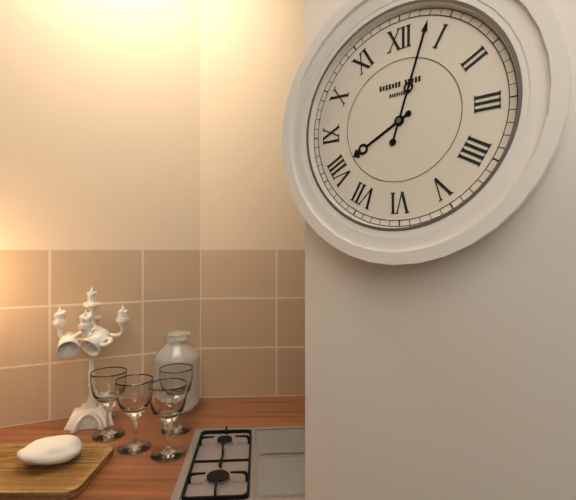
{"hour": 8, "minute": 3}
